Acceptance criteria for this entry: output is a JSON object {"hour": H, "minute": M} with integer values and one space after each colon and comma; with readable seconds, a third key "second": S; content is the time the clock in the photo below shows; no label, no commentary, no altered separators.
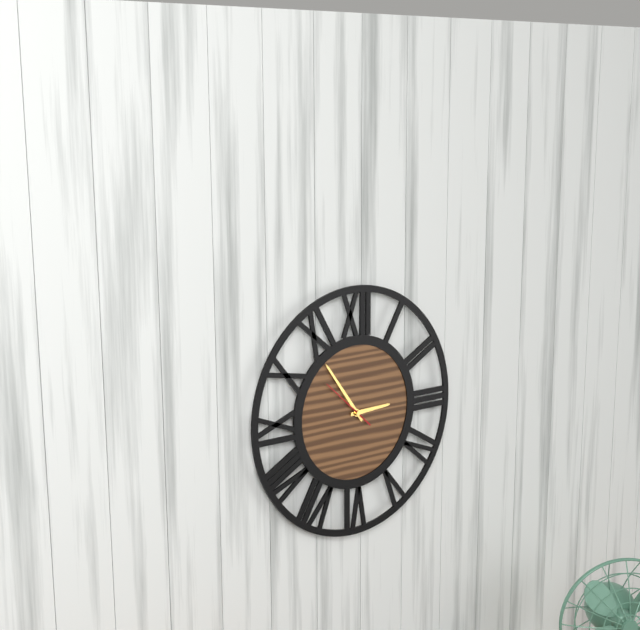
{"hour": 2, "minute": 54}
